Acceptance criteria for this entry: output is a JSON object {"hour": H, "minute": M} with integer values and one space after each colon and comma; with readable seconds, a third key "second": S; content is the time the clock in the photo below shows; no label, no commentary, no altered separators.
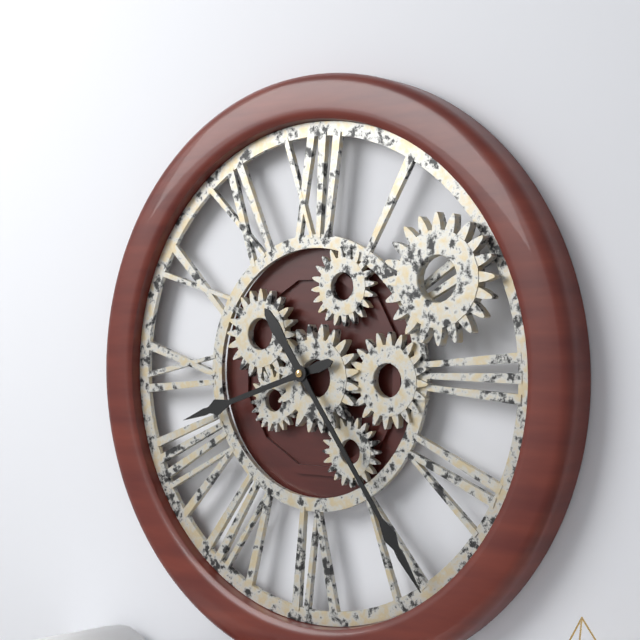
{"hour": 8, "minute": 24}
